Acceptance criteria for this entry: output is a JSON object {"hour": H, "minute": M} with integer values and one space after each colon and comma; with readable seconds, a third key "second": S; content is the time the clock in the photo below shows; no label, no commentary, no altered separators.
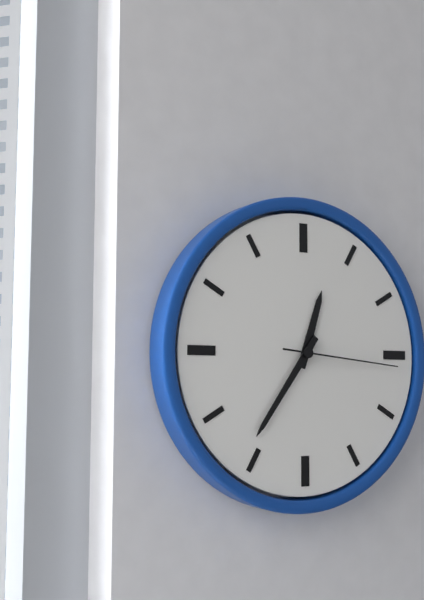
{"hour": 12, "minute": 36, "second": 16}
